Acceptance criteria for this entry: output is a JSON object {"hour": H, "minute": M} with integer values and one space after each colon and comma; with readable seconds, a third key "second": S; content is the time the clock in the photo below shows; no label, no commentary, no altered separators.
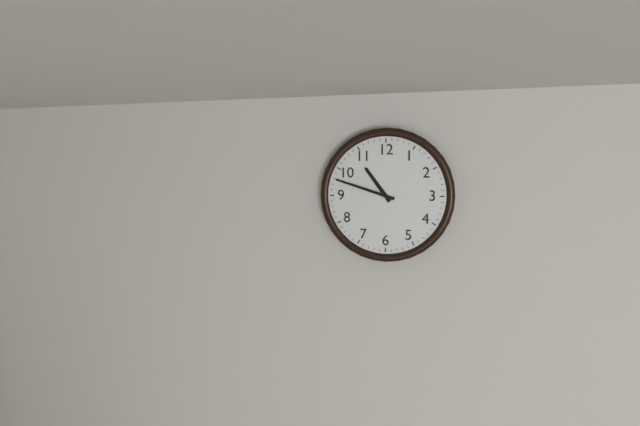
{"hour": 10, "minute": 48}
